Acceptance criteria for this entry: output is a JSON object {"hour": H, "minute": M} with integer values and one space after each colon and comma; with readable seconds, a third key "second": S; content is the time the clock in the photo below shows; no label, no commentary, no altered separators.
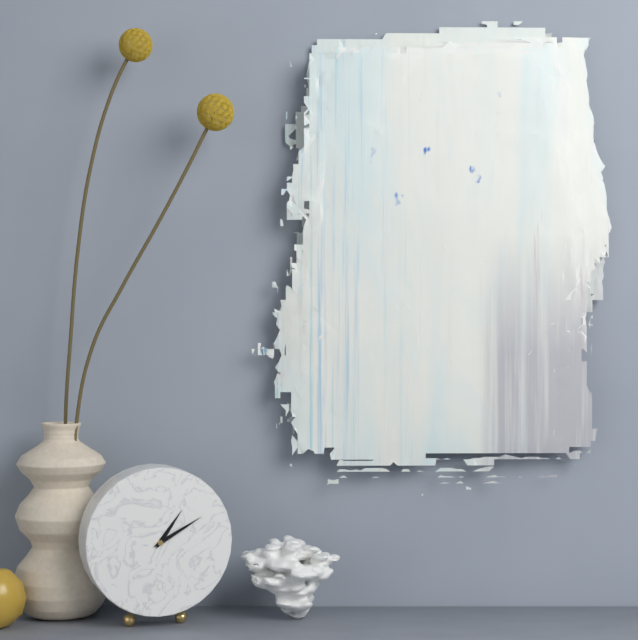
{"hour": 1, "minute": 10}
